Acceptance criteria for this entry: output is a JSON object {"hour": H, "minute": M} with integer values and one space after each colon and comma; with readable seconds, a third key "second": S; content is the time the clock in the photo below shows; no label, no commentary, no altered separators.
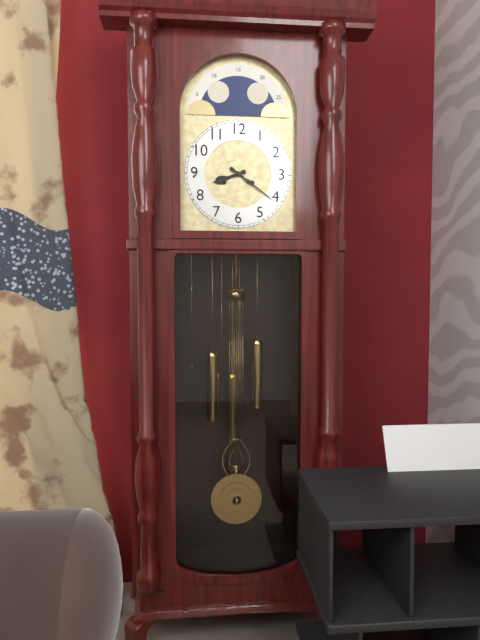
{"hour": 8, "minute": 21}
